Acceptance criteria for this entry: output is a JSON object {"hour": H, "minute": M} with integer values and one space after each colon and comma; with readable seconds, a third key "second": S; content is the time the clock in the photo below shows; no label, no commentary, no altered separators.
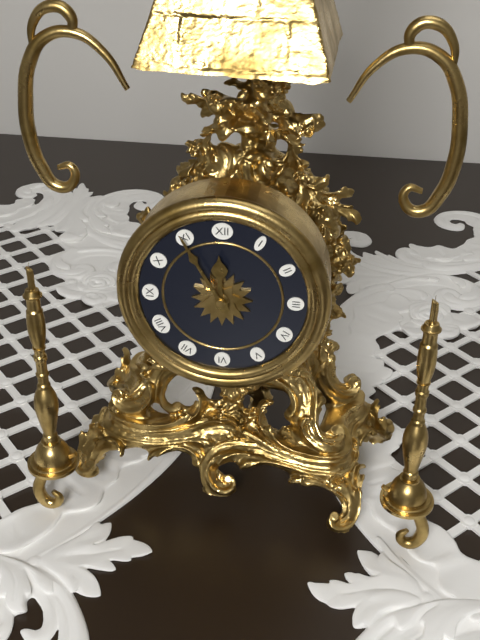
{"hour": 11, "minute": 55}
